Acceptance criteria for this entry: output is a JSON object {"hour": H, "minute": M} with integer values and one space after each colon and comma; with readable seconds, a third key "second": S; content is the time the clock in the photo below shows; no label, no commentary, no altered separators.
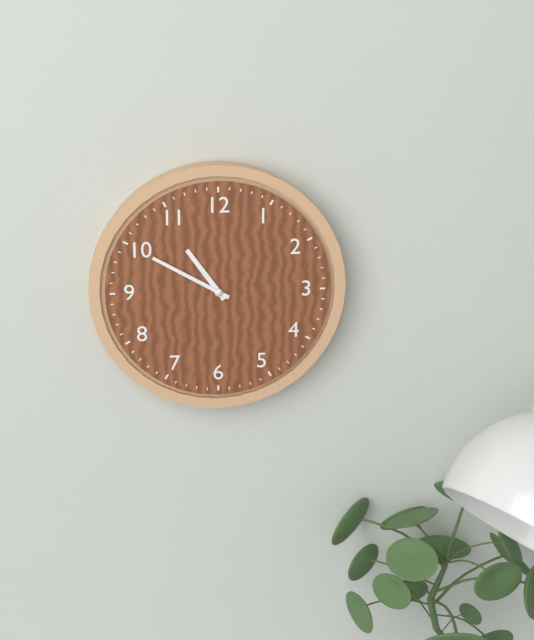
{"hour": 10, "minute": 50}
